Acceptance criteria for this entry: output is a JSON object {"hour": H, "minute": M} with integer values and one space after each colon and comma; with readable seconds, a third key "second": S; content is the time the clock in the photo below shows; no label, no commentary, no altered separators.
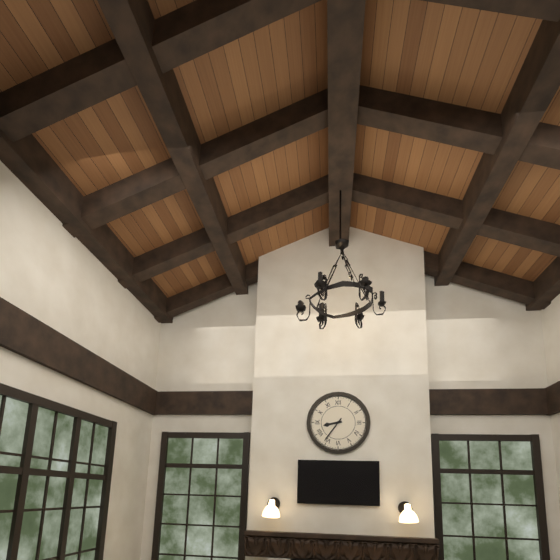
{"hour": 8, "minute": 36}
